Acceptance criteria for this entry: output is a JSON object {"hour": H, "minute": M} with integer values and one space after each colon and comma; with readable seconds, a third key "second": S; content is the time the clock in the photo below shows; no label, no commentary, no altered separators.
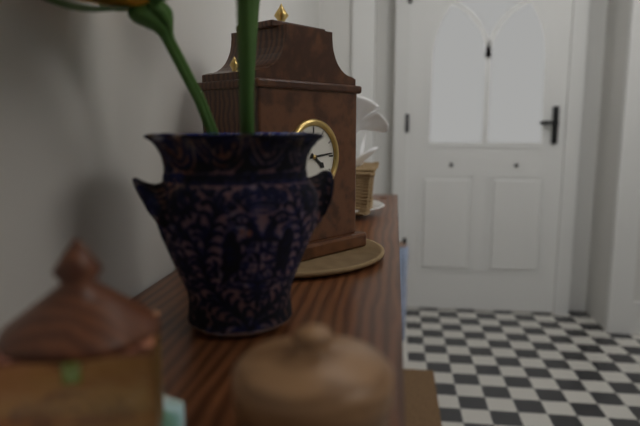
{"hour": 4, "minute": 14}
